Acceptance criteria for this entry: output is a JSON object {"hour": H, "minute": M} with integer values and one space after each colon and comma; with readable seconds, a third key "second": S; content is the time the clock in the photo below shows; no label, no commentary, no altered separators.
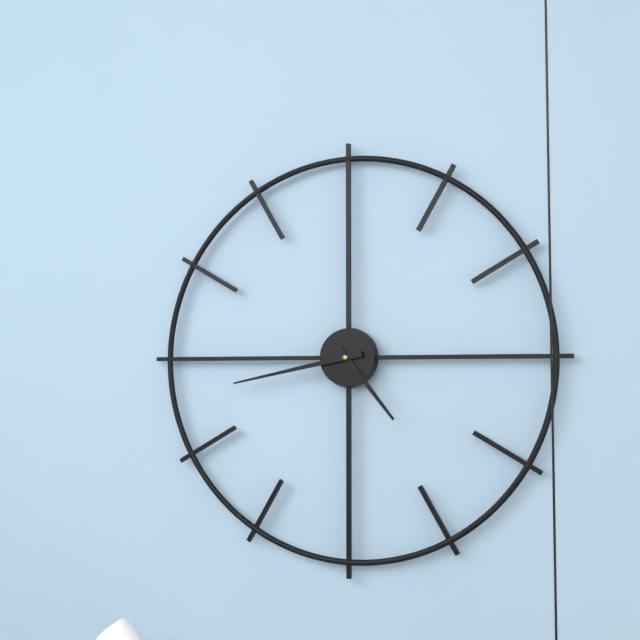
{"hour": 4, "minute": 43}
